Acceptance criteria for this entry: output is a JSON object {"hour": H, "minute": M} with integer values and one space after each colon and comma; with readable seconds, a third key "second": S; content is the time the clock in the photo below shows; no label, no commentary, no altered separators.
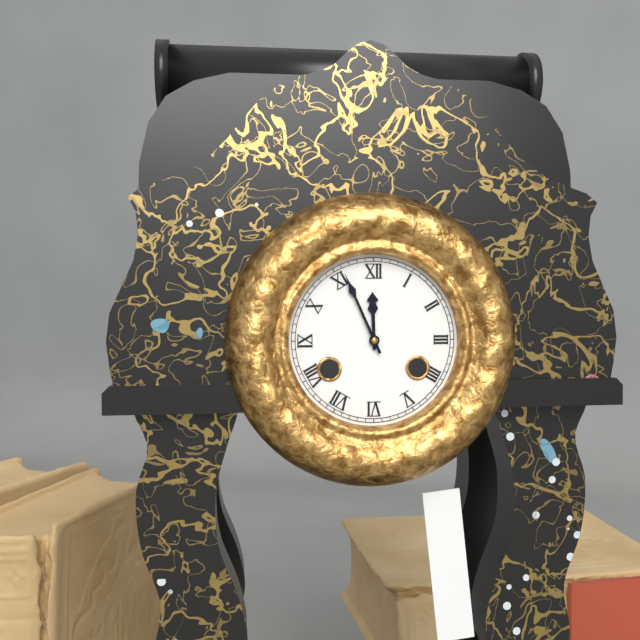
{"hour": 11, "minute": 56}
